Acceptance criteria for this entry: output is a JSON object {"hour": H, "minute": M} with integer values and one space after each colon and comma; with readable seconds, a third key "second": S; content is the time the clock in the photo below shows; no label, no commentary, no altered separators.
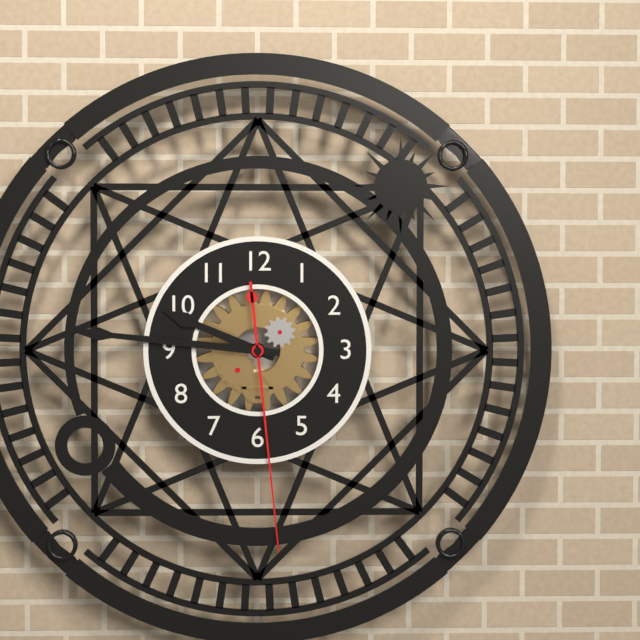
{"hour": 9, "minute": 46, "second": 29}
